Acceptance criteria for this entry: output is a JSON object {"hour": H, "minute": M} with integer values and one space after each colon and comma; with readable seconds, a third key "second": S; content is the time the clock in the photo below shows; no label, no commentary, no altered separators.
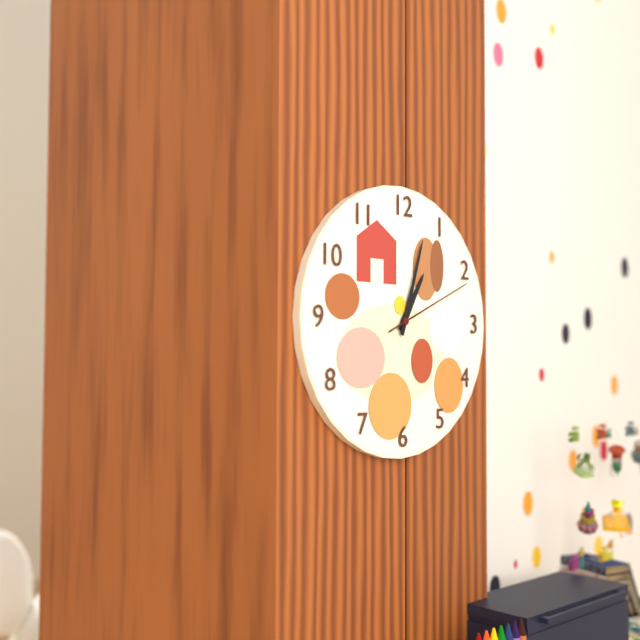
{"hour": 1, "minute": 3, "second": 11}
